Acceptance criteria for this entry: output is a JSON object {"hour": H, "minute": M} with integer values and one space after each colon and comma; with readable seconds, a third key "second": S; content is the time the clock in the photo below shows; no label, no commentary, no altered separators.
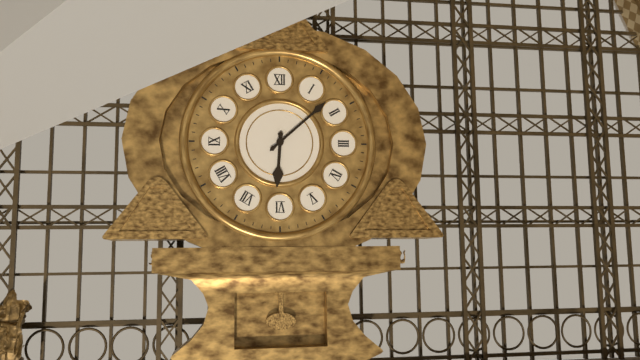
{"hour": 6, "minute": 8}
